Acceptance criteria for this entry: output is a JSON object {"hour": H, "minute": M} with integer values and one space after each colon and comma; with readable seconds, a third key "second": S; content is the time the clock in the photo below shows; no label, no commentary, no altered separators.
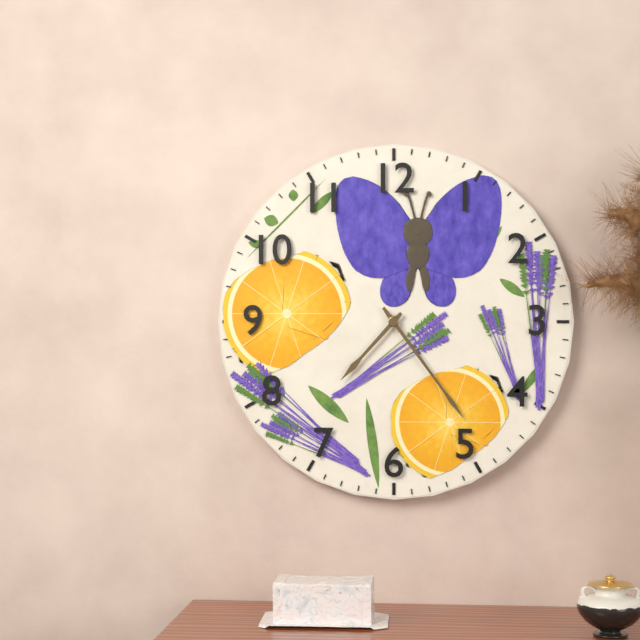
{"hour": 7, "minute": 24}
